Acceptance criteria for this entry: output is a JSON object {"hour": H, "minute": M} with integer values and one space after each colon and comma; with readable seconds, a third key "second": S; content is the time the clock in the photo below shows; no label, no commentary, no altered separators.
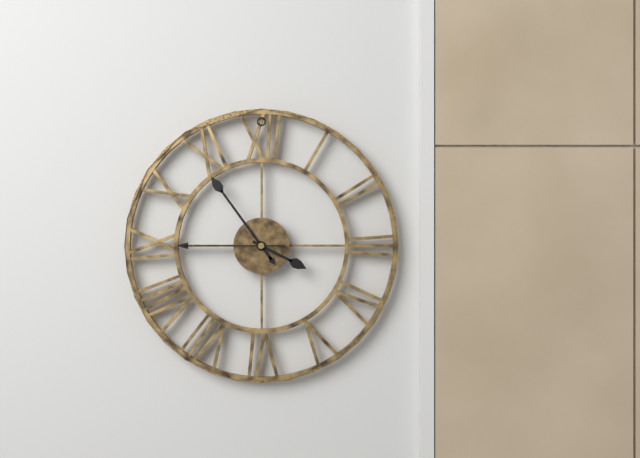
{"hour": 3, "minute": 54, "second": 45}
